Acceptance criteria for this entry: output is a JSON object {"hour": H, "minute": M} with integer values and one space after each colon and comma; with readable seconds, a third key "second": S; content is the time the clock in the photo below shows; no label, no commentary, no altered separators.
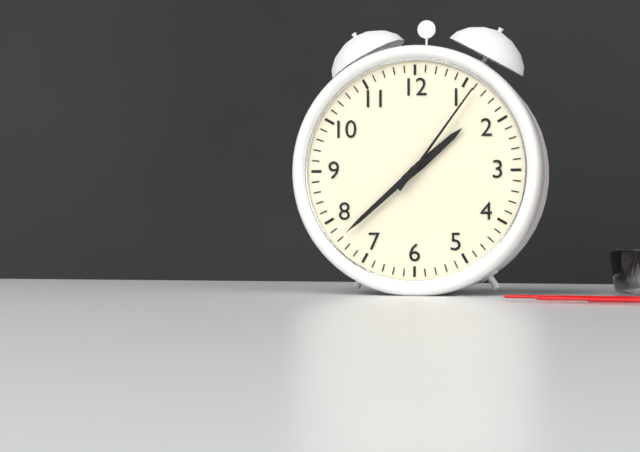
{"hour": 1, "minute": 38, "second": 6}
